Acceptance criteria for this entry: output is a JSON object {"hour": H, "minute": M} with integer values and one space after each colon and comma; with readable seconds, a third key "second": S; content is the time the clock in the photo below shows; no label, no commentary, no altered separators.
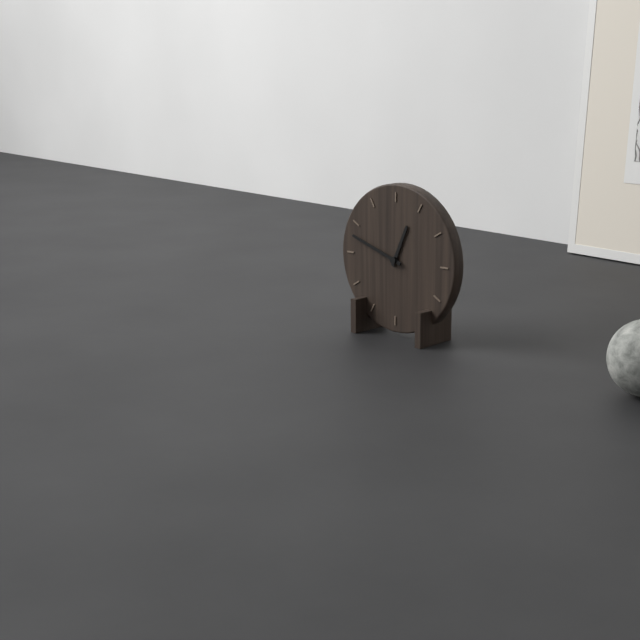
{"hour": 12, "minute": 48}
